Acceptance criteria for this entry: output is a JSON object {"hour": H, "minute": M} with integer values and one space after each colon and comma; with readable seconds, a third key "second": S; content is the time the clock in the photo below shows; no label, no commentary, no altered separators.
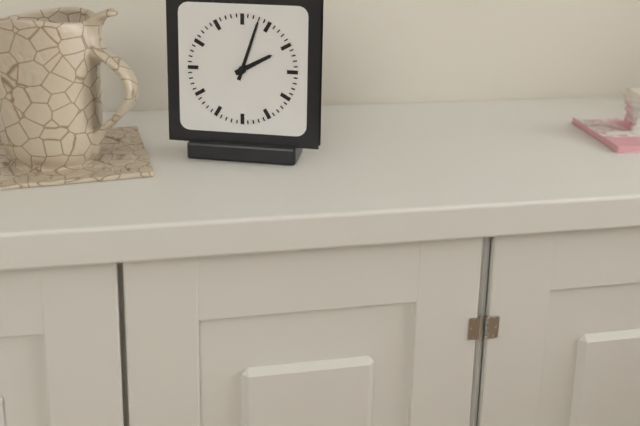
{"hour": 2, "minute": 3}
